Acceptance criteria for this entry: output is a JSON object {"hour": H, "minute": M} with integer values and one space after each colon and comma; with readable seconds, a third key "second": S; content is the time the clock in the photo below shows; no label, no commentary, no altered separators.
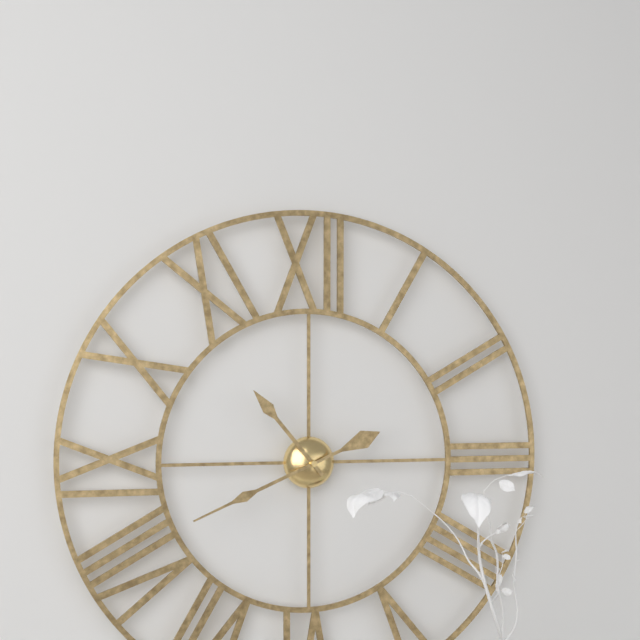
{"hour": 10, "minute": 41}
